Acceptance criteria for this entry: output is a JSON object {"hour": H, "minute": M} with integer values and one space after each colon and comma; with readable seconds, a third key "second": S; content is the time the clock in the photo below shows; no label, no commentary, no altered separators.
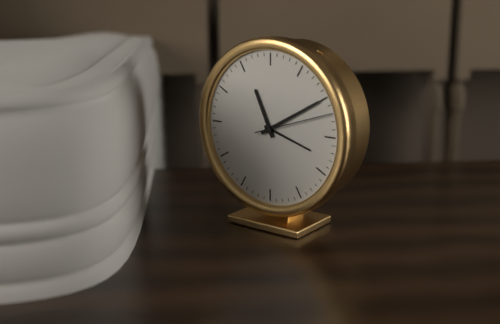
{"hour": 11, "minute": 10, "second": 12}
